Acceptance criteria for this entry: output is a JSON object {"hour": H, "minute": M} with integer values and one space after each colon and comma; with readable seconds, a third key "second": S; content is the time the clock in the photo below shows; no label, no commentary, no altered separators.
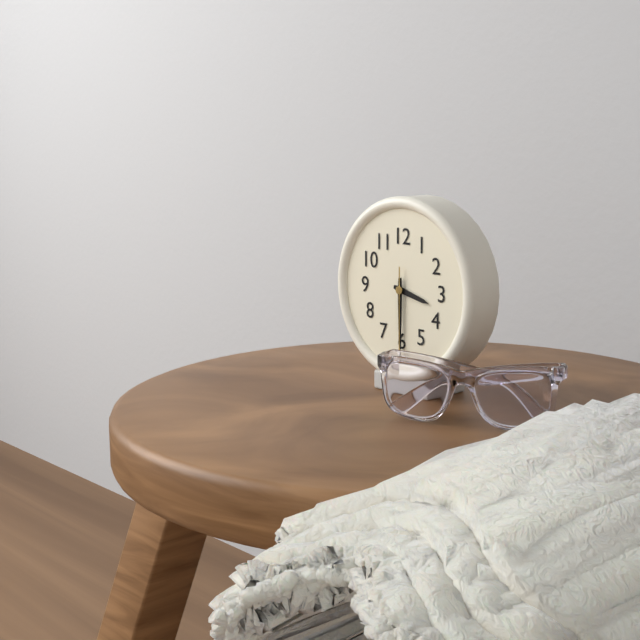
{"hour": 3, "minute": 30, "second": 30}
